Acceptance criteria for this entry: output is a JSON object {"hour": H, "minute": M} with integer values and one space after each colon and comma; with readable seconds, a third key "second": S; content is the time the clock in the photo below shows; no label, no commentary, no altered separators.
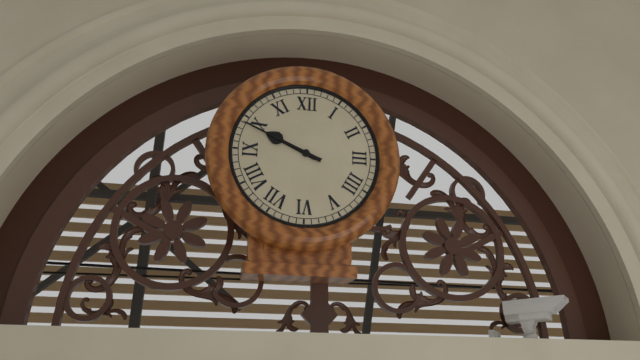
{"hour": 9, "minute": 49}
